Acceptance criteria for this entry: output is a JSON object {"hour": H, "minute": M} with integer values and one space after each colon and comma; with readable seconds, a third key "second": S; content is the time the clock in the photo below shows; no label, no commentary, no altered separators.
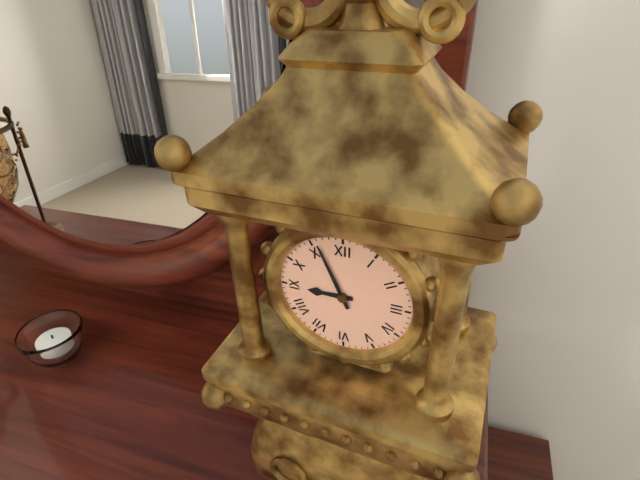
{"hour": 8, "minute": 56}
